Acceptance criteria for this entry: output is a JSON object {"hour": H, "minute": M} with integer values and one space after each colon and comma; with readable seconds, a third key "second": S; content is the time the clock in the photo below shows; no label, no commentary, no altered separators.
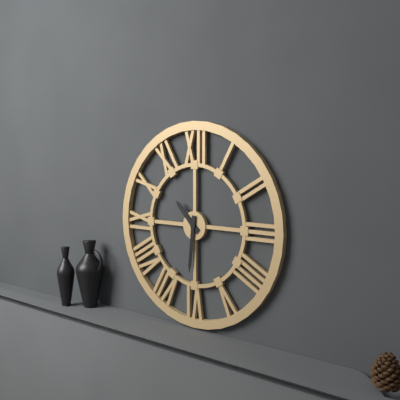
{"hour": 10, "minute": 31}
